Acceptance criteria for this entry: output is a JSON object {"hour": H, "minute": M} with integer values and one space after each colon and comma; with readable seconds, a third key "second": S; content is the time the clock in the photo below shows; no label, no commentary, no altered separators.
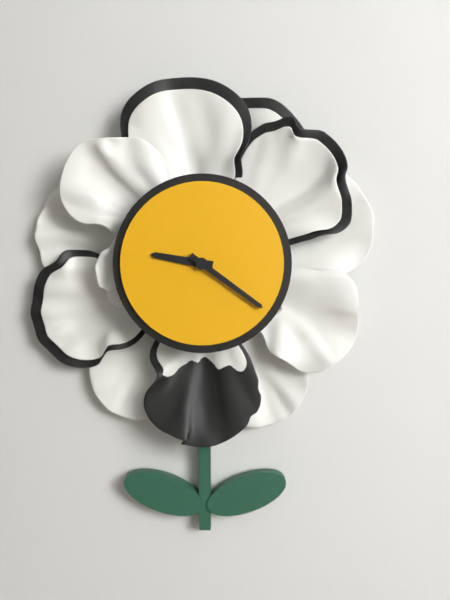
{"hour": 9, "minute": 21}
